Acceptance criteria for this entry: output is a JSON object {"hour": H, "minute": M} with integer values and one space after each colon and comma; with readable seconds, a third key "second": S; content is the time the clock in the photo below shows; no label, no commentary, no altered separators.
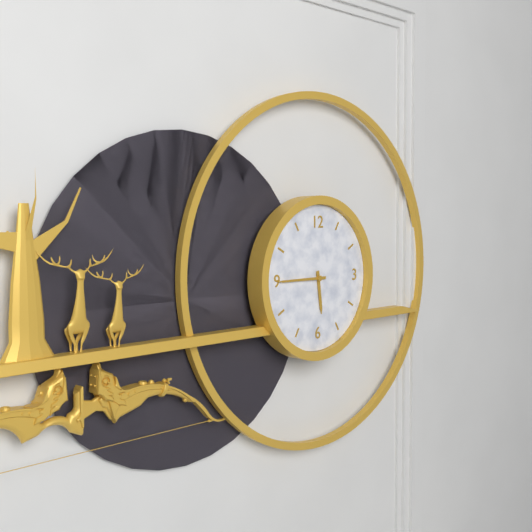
{"hour": 5, "minute": 45}
